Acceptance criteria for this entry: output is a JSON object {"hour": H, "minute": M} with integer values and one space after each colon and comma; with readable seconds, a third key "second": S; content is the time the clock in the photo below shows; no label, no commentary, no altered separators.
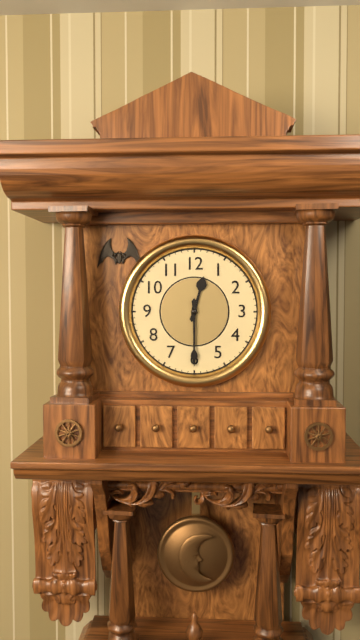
{"hour": 12, "minute": 30}
